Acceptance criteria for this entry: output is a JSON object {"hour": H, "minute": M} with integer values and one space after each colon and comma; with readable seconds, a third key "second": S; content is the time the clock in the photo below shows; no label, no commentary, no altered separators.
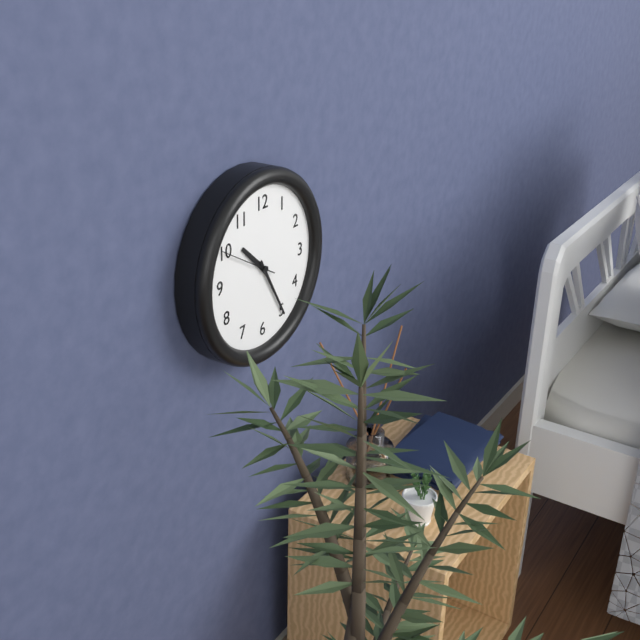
{"hour": 10, "minute": 25, "second": 50}
